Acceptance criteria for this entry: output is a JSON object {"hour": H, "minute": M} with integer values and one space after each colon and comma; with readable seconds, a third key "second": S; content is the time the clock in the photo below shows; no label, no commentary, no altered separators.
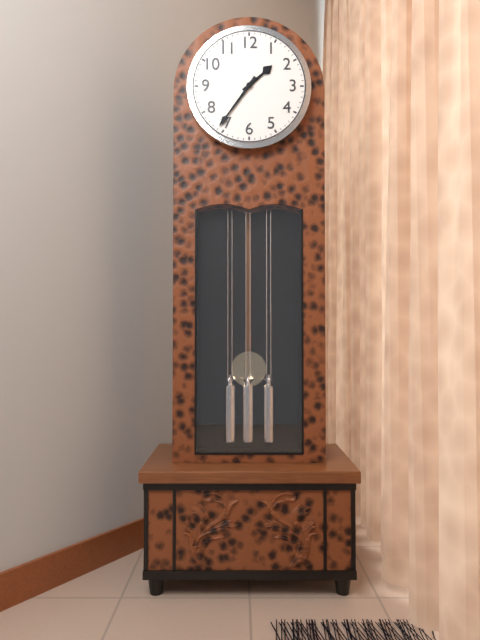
{"hour": 1, "minute": 36}
